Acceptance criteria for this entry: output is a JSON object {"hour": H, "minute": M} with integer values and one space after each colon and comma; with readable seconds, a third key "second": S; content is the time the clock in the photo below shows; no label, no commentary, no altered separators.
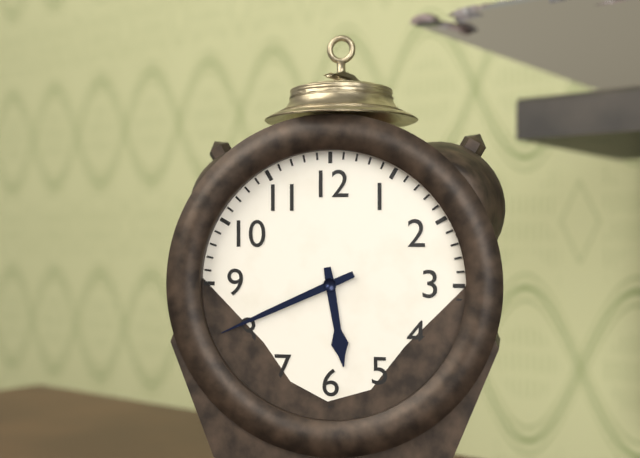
{"hour": 5, "minute": 41}
